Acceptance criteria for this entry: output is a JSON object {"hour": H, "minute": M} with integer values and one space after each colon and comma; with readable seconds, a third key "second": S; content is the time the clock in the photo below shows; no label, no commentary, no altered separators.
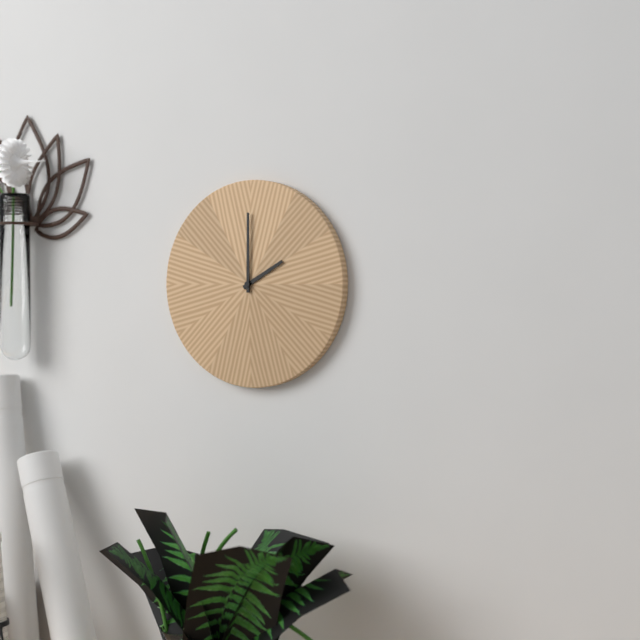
{"hour": 2, "minute": 0}
